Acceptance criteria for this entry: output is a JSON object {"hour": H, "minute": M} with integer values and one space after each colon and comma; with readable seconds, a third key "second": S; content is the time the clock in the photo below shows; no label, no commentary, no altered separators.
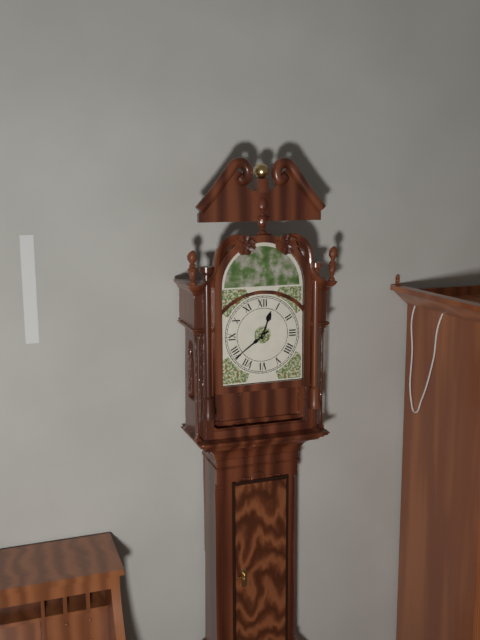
{"hour": 12, "minute": 39}
